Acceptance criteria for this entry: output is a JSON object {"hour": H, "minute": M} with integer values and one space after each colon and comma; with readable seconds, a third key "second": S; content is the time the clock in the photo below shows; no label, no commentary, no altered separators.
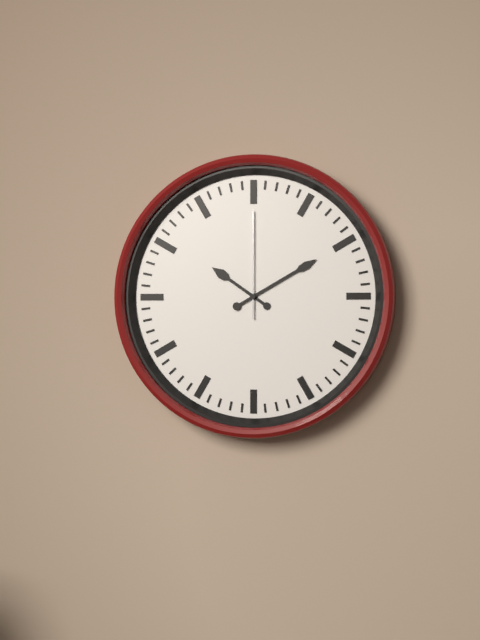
{"hour": 10, "minute": 10, "second": 0}
